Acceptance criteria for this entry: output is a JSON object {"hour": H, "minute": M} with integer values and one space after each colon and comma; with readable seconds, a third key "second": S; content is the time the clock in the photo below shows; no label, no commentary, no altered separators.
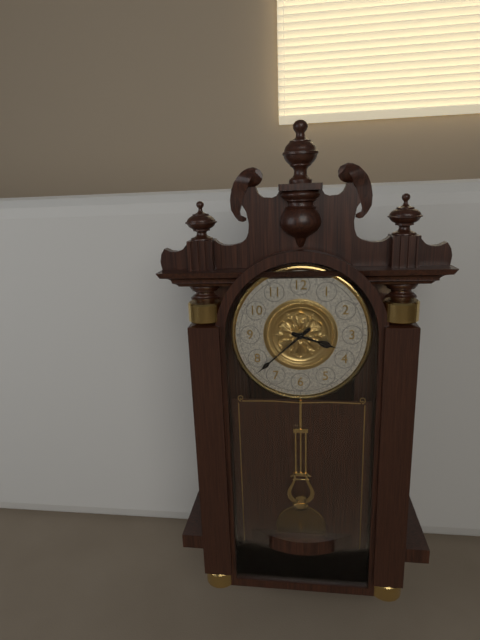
{"hour": 3, "minute": 38}
